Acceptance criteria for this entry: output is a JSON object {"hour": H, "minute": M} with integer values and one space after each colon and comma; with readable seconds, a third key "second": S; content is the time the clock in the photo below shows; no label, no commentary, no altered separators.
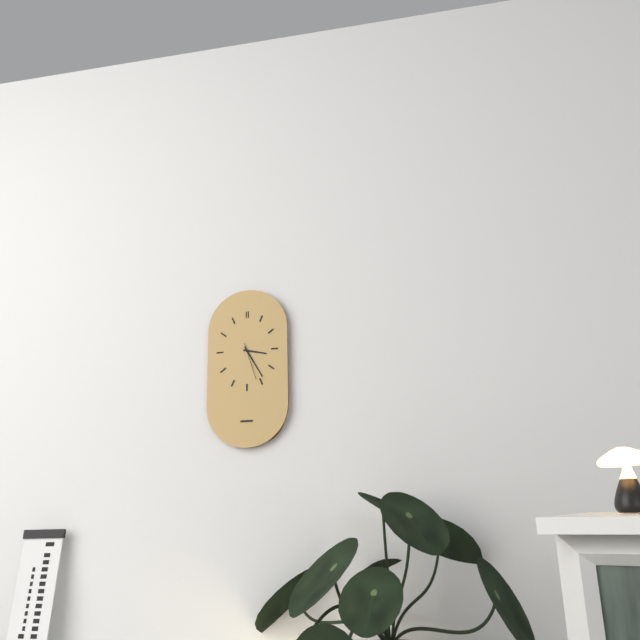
{"hour": 3, "minute": 25}
